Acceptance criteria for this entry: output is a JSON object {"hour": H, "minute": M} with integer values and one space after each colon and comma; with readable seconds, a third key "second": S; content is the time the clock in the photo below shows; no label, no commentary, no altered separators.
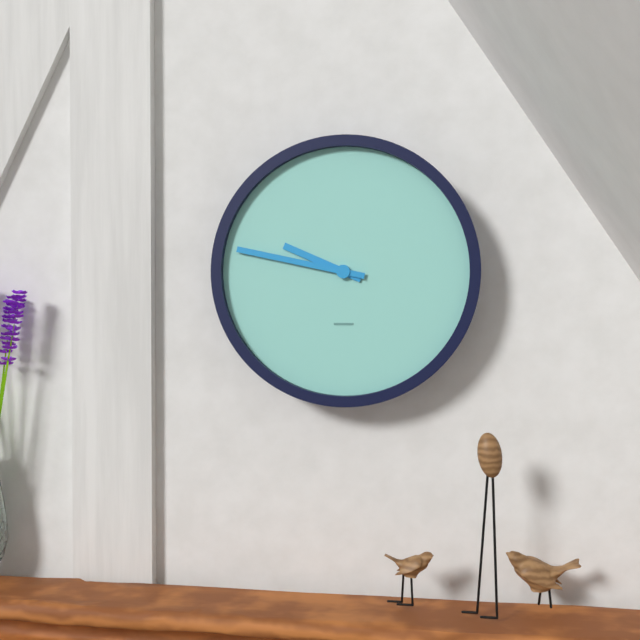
{"hour": 9, "minute": 47}
